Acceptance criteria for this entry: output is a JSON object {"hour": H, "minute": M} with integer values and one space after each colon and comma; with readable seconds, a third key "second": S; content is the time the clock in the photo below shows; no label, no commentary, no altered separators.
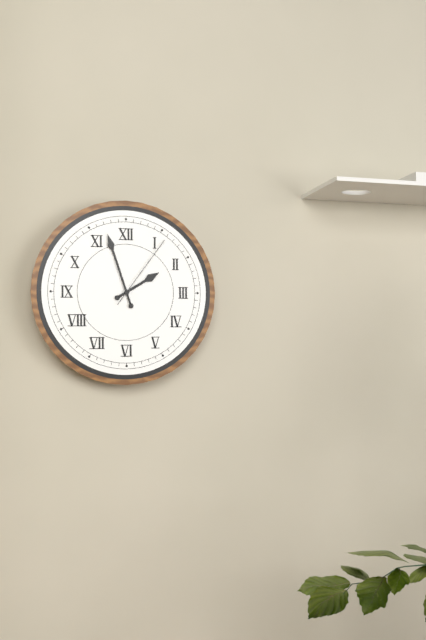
{"hour": 1, "minute": 57, "second": 6}
